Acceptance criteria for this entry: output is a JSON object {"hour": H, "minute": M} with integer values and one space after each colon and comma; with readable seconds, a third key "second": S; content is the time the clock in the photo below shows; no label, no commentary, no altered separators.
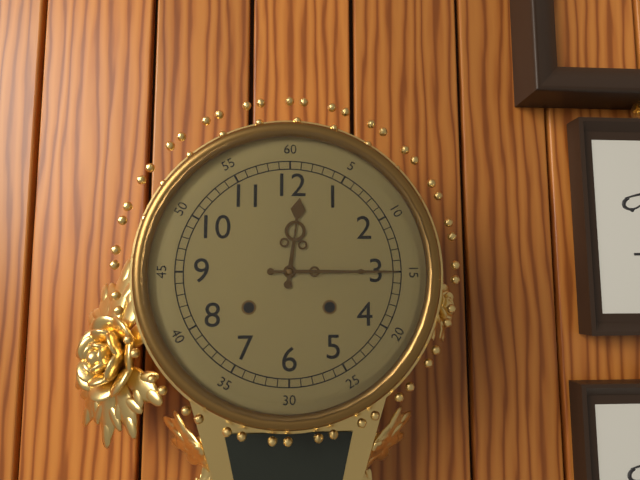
{"hour": 12, "minute": 15}
